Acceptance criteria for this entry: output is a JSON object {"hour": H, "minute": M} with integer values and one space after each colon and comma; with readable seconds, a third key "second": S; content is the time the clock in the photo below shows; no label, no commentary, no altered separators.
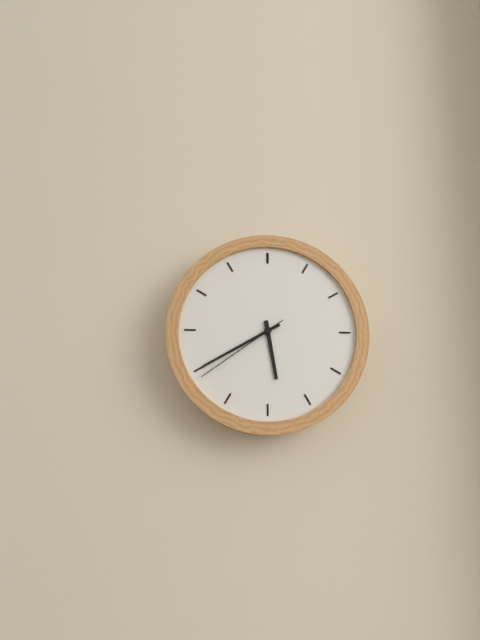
{"hour": 5, "minute": 40, "second": 39}
